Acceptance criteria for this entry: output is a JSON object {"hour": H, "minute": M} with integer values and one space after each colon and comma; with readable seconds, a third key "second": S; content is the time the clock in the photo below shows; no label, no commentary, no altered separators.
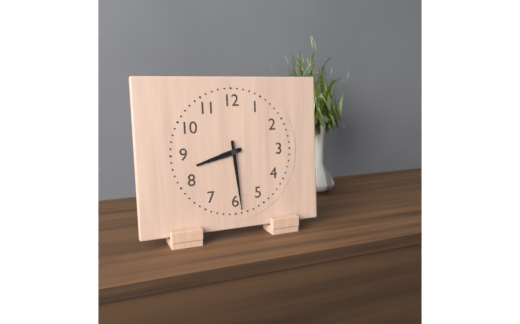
{"hour": 8, "minute": 29}
